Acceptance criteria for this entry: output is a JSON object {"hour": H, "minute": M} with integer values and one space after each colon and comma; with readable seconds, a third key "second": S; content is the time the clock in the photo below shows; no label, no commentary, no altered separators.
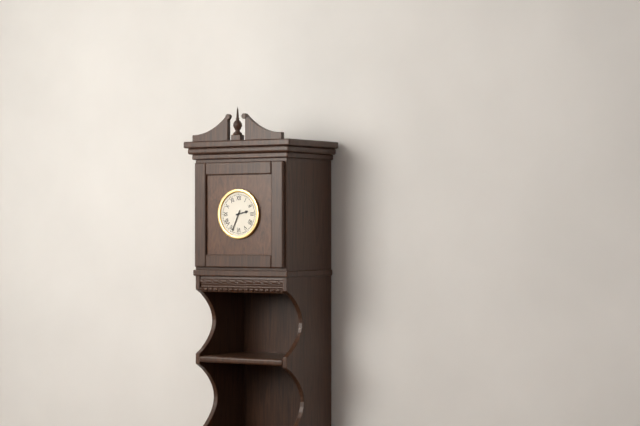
{"hour": 2, "minute": 34}
